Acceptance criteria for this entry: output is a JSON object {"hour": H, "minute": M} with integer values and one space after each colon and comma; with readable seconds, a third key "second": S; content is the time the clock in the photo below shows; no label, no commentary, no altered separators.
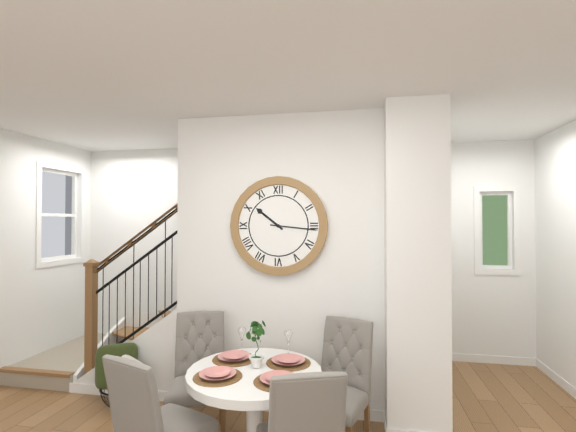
{"hour": 10, "minute": 16}
